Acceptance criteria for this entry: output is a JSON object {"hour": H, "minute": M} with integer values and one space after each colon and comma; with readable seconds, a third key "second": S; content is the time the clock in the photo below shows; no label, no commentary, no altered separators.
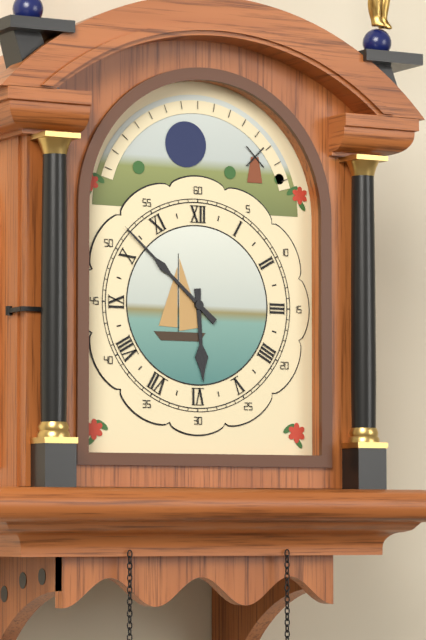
{"hour": 5, "minute": 52}
